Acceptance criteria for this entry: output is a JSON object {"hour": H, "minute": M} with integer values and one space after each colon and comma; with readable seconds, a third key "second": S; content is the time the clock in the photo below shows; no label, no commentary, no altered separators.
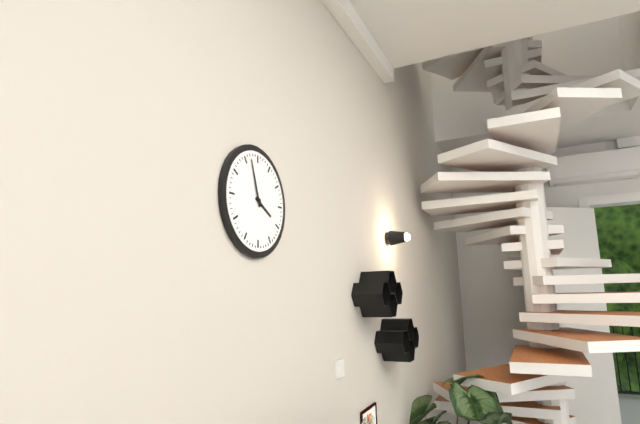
{"hour": 3, "minute": 57}
